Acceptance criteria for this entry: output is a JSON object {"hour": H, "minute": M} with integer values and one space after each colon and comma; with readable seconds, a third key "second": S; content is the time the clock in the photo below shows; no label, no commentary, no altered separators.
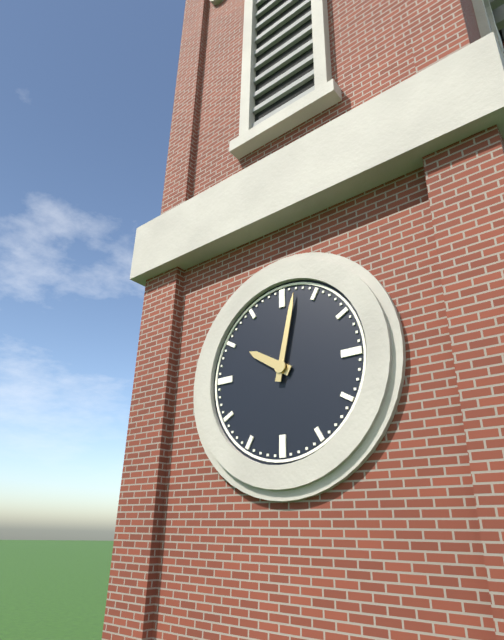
{"hour": 10, "minute": 2}
